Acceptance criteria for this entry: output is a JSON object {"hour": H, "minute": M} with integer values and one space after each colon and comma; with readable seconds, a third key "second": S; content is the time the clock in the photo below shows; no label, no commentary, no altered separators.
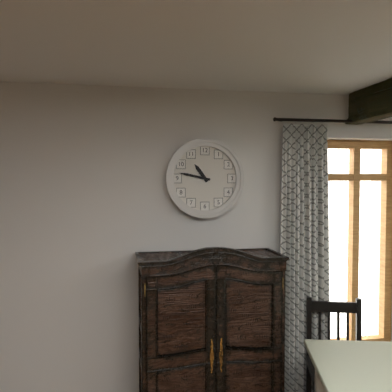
{"hour": 10, "minute": 47}
